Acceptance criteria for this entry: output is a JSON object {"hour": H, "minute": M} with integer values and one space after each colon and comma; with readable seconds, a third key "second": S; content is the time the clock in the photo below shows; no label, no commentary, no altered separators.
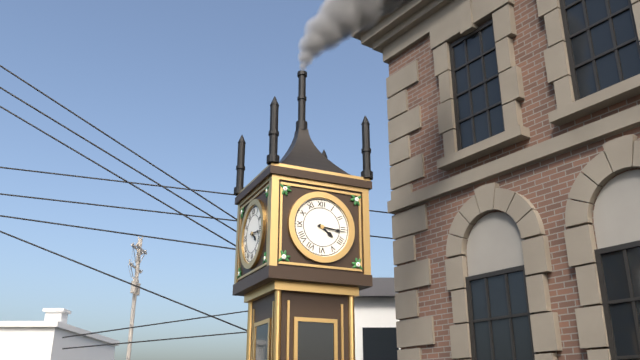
{"hour": 4, "minute": 16}
